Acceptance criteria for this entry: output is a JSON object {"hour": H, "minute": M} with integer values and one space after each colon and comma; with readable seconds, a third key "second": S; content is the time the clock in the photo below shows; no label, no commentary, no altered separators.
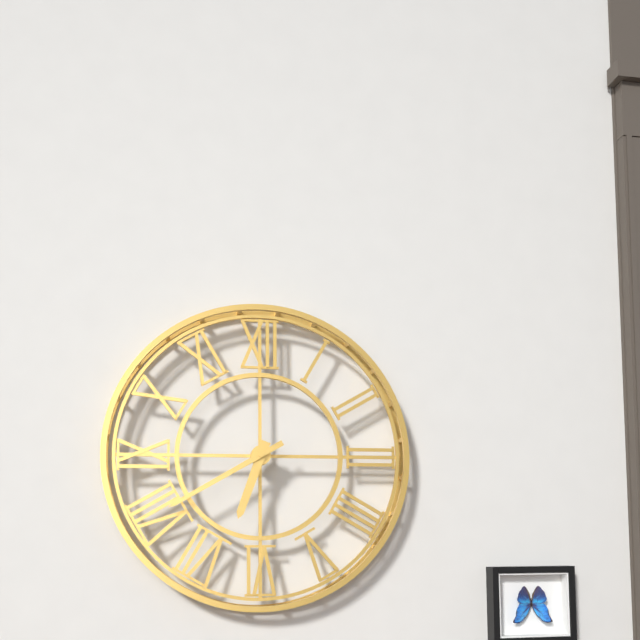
{"hour": 6, "minute": 40}
